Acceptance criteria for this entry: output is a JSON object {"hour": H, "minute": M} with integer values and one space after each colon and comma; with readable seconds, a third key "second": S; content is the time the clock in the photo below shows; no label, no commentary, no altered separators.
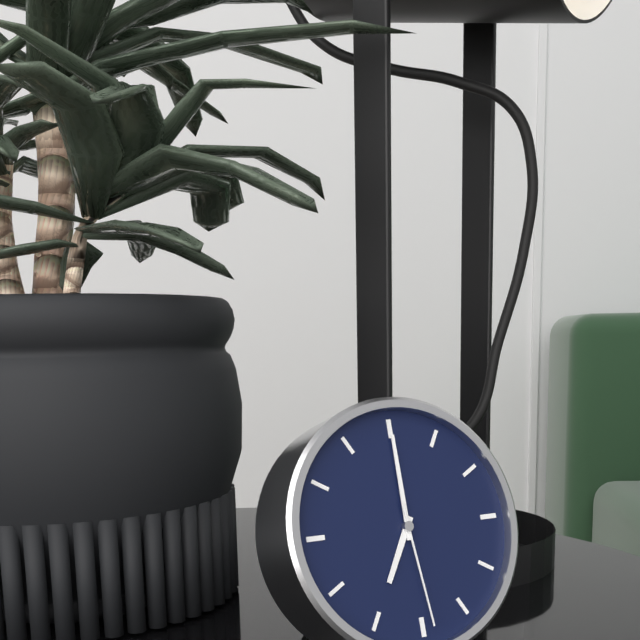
{"hour": 7, "minute": 0, "second": 29}
